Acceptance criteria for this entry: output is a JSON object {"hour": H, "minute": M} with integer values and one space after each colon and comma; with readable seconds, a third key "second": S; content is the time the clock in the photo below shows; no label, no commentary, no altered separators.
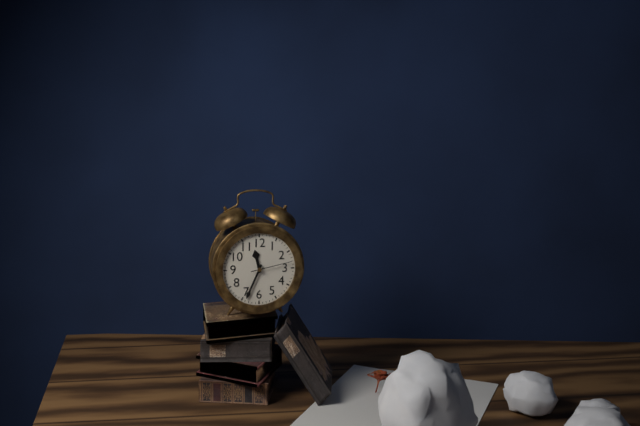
{"hour": 11, "minute": 34}
